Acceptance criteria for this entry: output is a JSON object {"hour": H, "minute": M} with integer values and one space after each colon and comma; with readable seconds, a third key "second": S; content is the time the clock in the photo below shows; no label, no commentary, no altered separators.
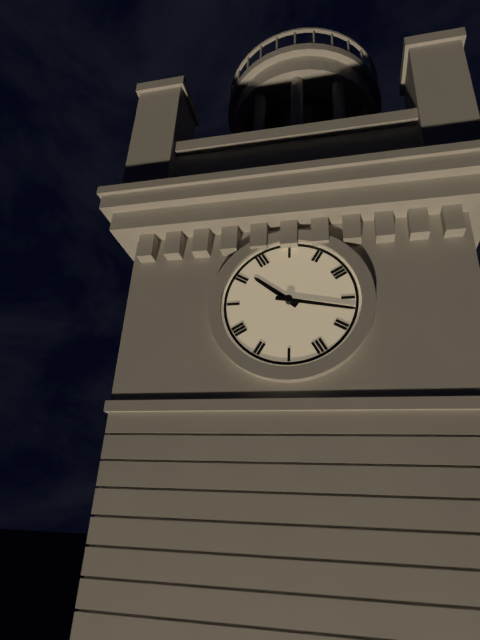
{"hour": 10, "minute": 17}
